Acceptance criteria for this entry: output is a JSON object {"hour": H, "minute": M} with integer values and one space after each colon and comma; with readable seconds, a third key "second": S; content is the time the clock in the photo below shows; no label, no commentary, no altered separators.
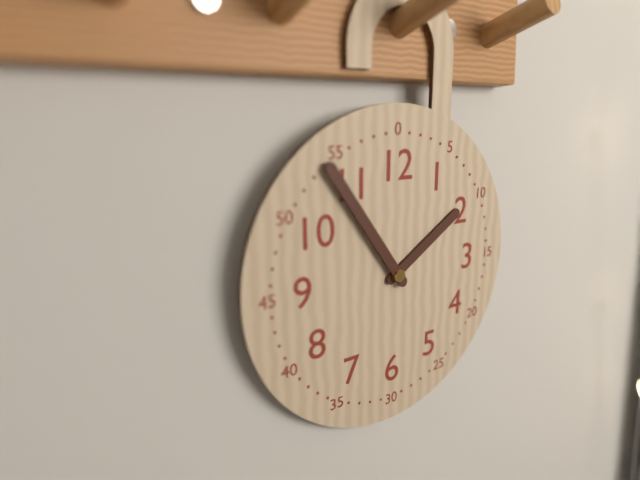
{"hour": 1, "minute": 54}
